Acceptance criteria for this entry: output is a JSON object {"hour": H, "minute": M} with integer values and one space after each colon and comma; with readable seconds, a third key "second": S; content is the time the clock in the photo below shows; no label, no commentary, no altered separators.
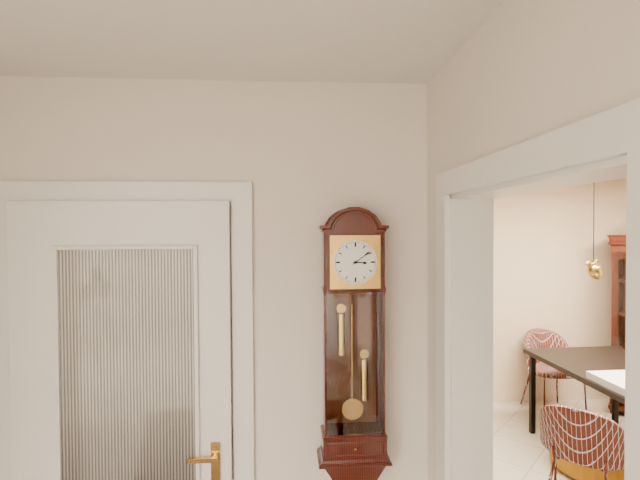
{"hour": 3, "minute": 9}
